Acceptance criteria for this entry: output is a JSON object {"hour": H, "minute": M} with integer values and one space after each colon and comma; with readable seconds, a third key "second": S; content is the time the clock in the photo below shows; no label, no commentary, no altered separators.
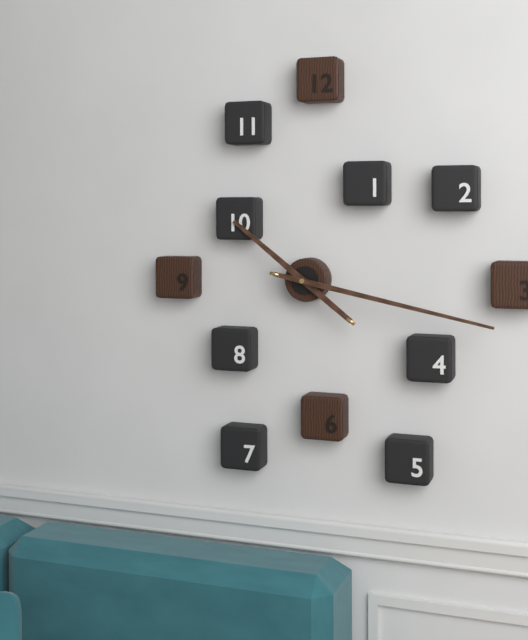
{"hour": 10, "minute": 17}
